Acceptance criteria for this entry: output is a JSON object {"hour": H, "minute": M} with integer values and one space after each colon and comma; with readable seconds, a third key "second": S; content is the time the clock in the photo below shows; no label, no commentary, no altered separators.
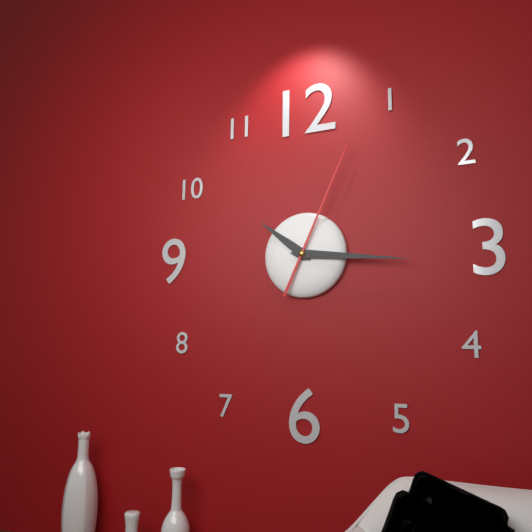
{"hour": 10, "minute": 16, "second": 4}
